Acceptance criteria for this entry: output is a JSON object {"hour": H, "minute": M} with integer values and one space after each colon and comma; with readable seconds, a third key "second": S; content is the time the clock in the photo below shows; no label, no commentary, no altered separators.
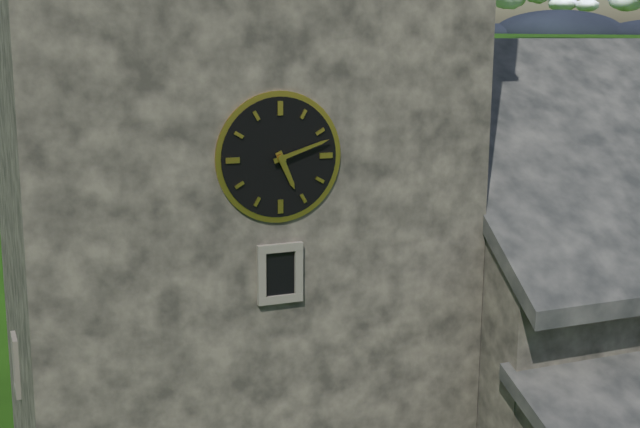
{"hour": 5, "minute": 12}
